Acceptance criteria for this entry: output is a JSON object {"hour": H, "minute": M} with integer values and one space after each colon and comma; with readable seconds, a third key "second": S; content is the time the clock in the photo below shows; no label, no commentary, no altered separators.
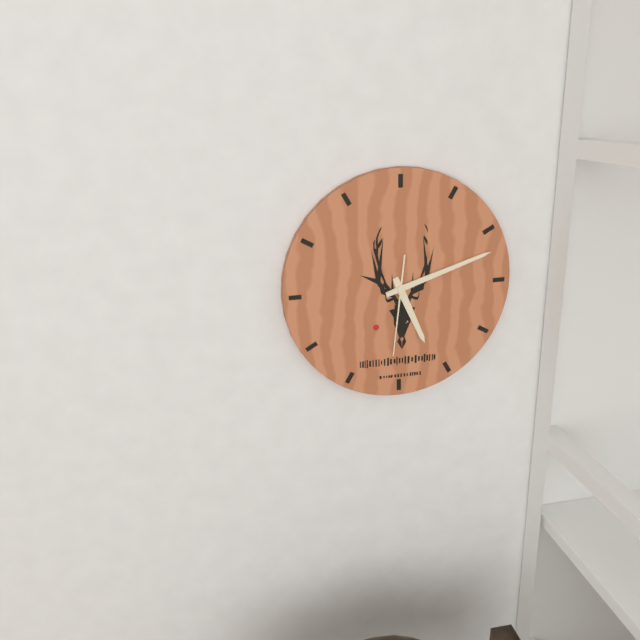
{"hour": 5, "minute": 12, "second": 31}
